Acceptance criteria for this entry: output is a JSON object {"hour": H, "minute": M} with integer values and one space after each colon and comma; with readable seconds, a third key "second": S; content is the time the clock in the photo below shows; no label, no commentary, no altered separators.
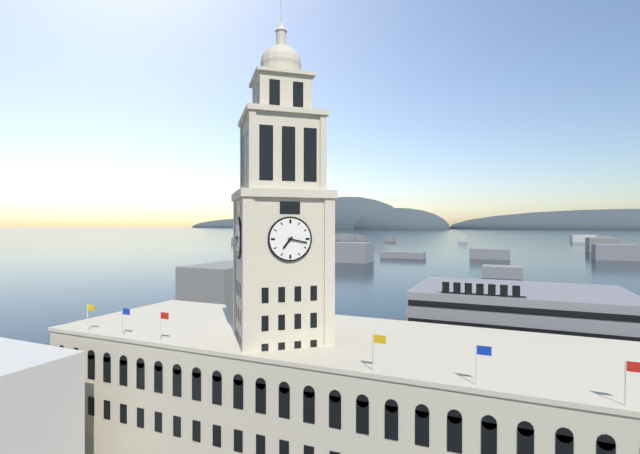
{"hour": 7, "minute": 17}
